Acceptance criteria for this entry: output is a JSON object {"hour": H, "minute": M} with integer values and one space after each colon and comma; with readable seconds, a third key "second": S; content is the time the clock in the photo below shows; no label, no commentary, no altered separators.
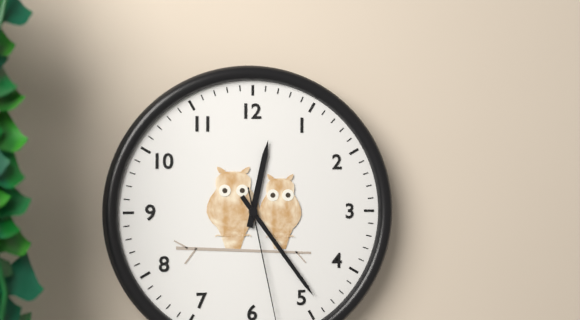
{"hour": 12, "minute": 24}
